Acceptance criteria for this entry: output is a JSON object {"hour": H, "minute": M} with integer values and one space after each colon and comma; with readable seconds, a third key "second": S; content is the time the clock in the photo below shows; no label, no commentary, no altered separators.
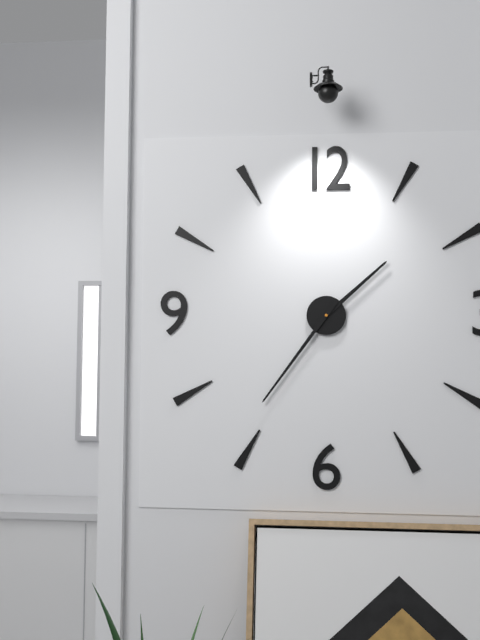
{"hour": 1, "minute": 36}
